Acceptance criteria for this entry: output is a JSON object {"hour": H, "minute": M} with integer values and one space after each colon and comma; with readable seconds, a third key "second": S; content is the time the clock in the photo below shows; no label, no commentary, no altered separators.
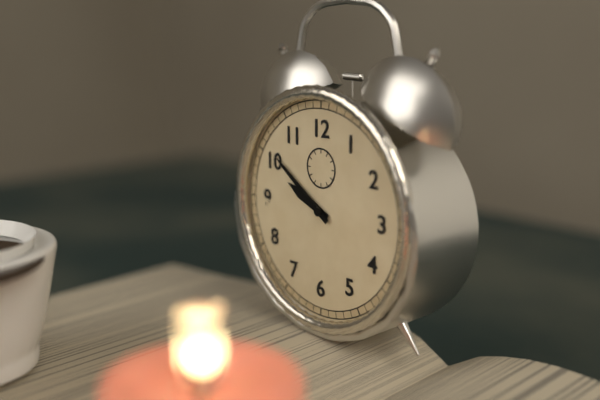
{"hour": 9, "minute": 51}
